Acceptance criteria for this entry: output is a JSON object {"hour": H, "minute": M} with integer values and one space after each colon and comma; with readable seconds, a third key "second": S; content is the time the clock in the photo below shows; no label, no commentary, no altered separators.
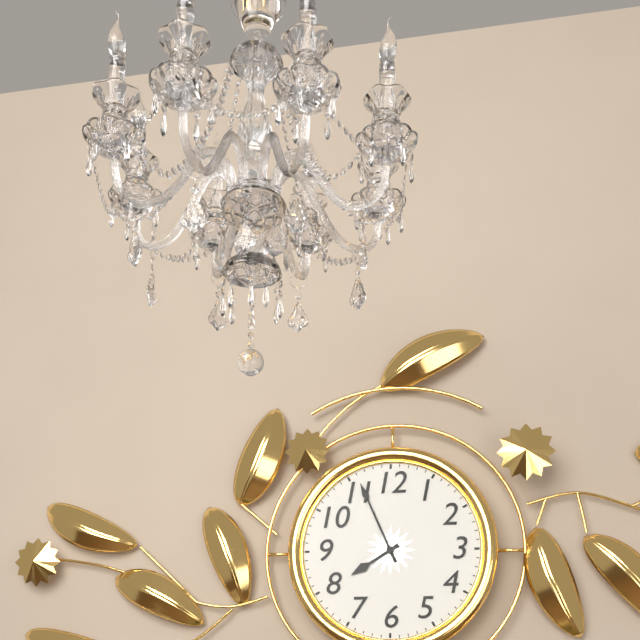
{"hour": 7, "minute": 56}
